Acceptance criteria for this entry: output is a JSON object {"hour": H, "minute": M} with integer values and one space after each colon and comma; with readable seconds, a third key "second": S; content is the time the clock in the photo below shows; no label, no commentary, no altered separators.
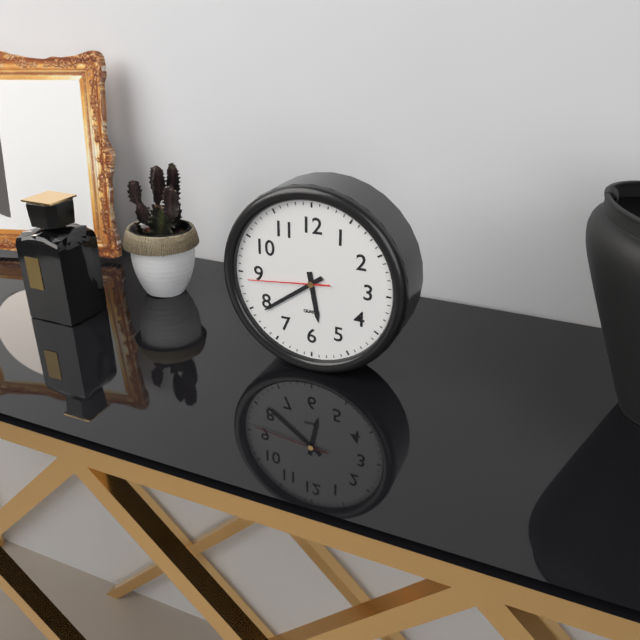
{"hour": 5, "minute": 39, "second": 44}
